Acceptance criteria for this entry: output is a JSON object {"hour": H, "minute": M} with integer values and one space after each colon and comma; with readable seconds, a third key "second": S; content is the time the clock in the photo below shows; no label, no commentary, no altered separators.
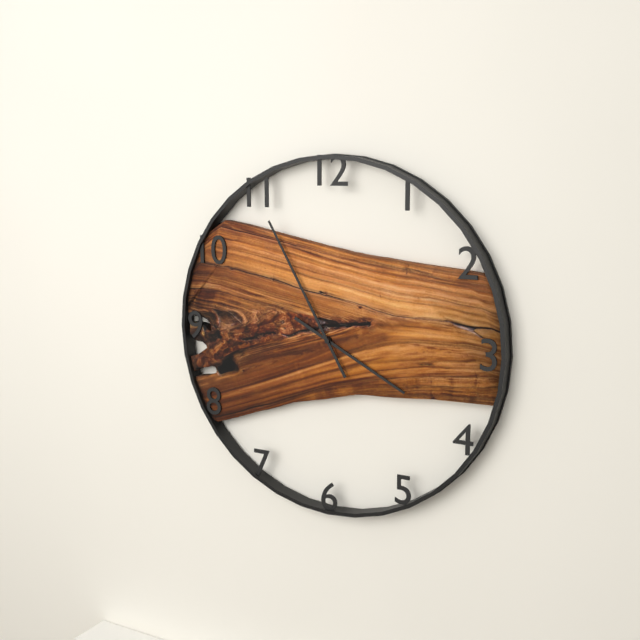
{"hour": 3, "minute": 55}
